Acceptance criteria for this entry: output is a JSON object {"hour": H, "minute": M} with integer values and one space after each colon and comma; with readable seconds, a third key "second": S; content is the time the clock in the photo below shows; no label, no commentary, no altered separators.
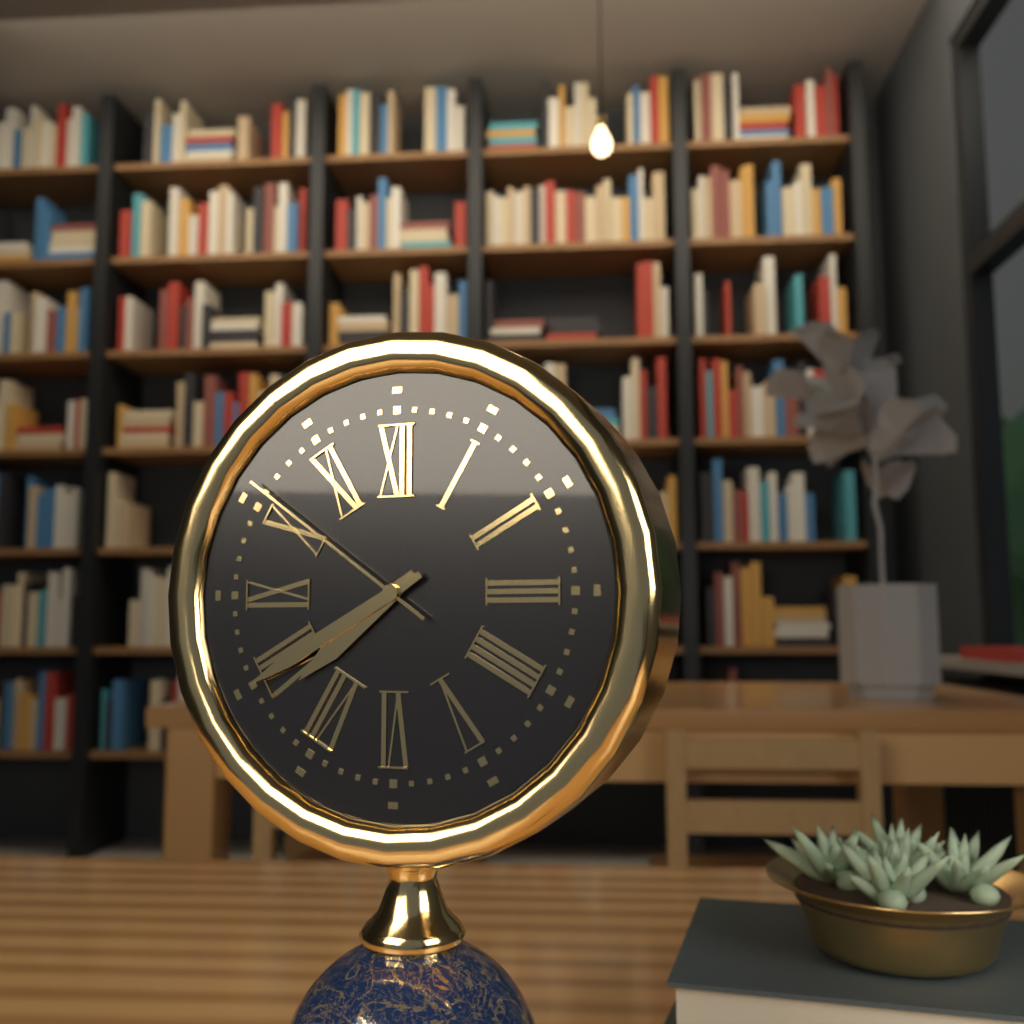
{"hour": 7, "minute": 40, "second": 51}
